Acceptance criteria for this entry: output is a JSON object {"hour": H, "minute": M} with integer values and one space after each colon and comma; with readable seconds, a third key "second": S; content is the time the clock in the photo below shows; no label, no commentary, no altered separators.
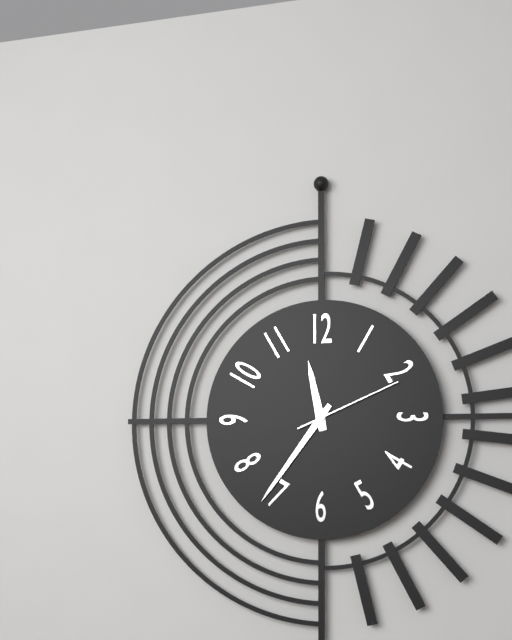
{"hour": 11, "minute": 36, "second": 11}
